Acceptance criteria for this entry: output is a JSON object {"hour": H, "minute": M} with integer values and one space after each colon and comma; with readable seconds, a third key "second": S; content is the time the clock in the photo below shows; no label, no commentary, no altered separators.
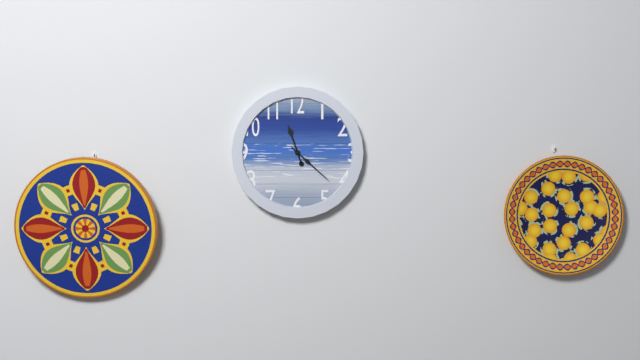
{"hour": 11, "minute": 22}
